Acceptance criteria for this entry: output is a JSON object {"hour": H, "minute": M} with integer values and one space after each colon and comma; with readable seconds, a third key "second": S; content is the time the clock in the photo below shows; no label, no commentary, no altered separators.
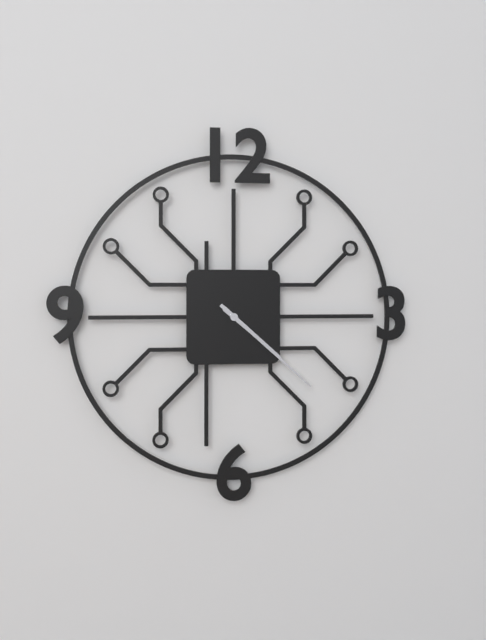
{"hour": 4, "minute": 22}
